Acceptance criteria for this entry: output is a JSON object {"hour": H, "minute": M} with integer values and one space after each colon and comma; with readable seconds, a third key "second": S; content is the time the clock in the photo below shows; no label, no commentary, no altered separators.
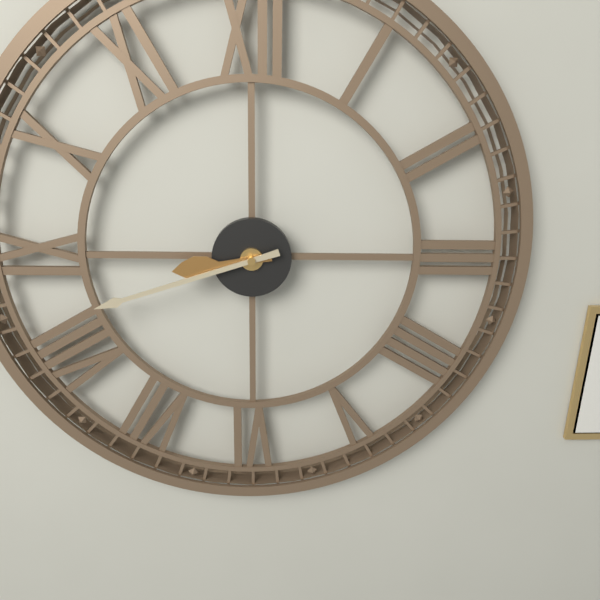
{"hour": 8, "minute": 42}
